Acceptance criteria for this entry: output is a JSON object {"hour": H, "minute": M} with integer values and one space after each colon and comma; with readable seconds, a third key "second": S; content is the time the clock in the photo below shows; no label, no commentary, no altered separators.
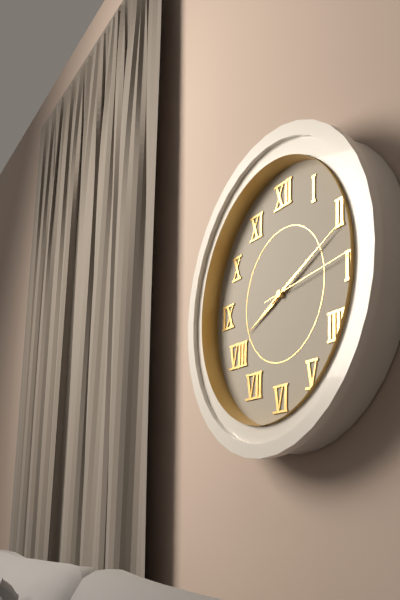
{"hour": 8, "minute": 11, "second": 14}
